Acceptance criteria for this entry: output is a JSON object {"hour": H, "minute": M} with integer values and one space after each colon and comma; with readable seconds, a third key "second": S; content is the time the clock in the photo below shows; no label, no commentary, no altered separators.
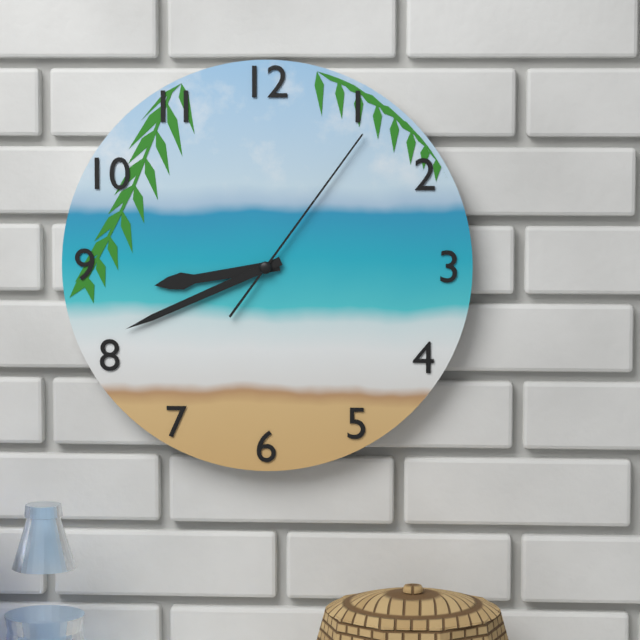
{"hour": 8, "minute": 41, "second": 6}
